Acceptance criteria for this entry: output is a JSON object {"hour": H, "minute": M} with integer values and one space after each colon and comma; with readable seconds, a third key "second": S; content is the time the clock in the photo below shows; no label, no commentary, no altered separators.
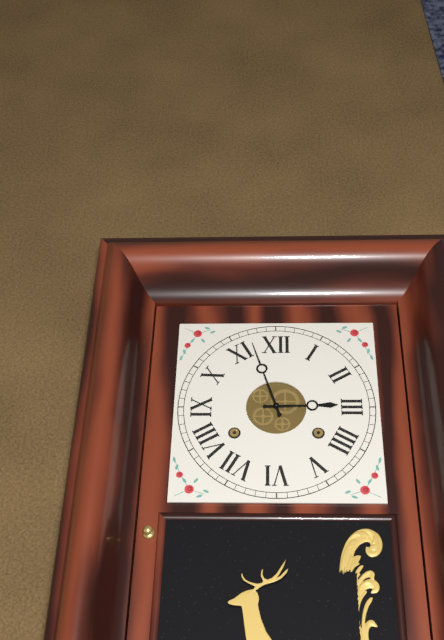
{"hour": 2, "minute": 57}
